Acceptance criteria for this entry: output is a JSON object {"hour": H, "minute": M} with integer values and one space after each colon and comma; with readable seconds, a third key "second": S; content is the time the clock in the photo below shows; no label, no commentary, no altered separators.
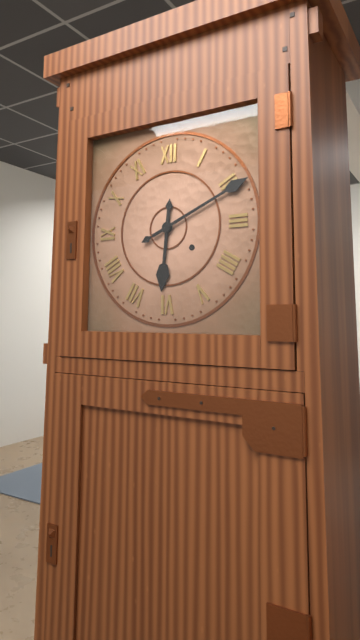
{"hour": 6, "minute": 11}
